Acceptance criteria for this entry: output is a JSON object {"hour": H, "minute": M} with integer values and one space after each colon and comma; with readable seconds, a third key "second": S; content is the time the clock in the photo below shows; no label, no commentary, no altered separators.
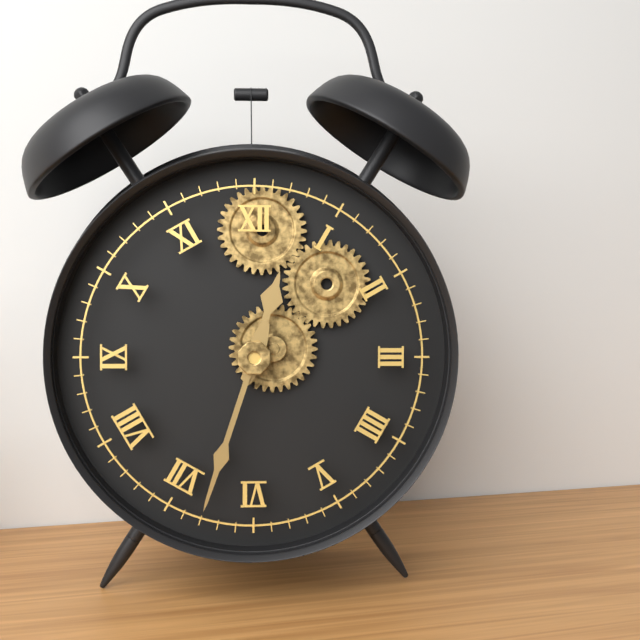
{"hour": 12, "minute": 33}
